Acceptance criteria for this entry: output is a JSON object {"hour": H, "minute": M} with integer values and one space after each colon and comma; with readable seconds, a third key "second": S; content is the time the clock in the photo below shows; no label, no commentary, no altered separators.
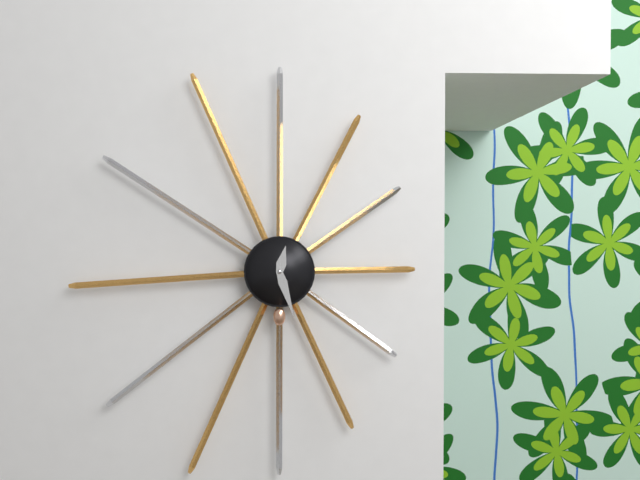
{"hour": 12, "minute": 27}
